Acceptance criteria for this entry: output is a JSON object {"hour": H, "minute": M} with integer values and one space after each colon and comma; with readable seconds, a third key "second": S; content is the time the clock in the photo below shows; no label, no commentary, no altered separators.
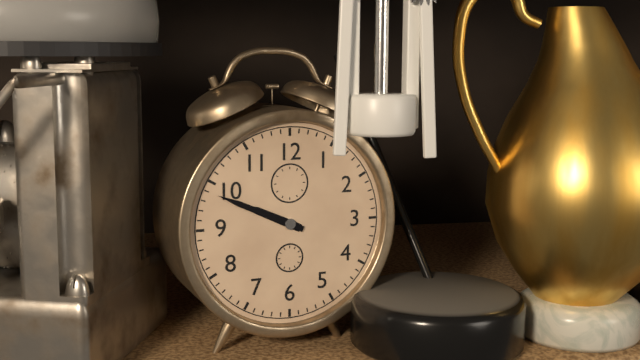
{"hour": 9, "minute": 49}
